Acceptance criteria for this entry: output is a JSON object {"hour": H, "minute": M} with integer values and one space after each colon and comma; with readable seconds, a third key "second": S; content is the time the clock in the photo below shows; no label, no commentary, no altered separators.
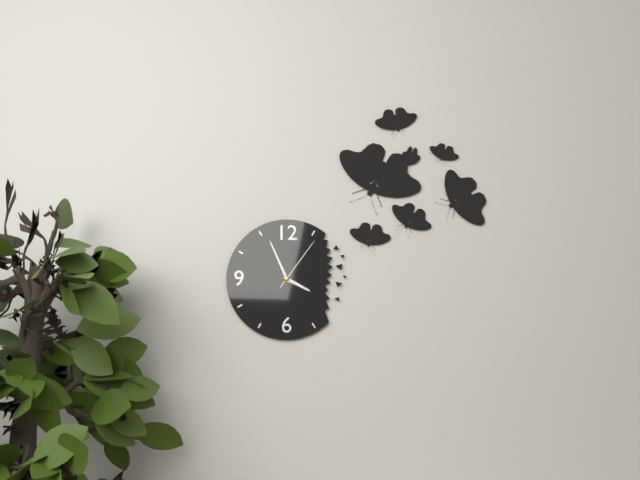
{"hour": 3, "minute": 56, "second": 6}
